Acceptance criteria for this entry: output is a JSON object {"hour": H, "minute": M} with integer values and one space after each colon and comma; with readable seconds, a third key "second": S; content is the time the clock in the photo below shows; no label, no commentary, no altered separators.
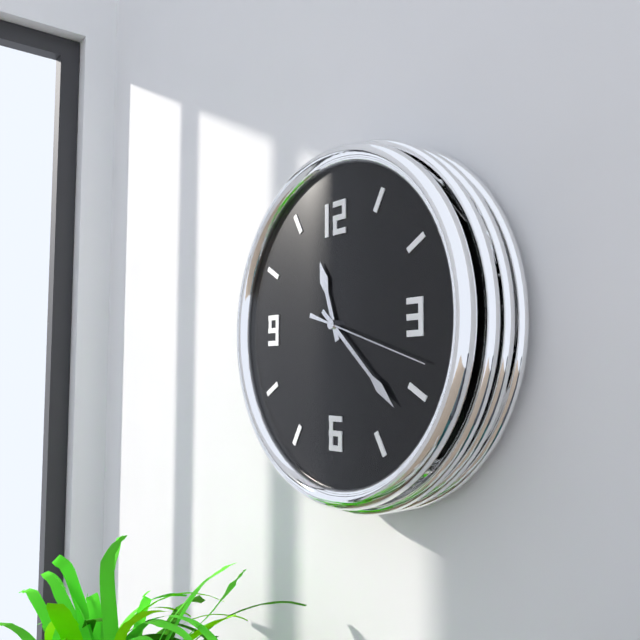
{"hour": 11, "minute": 22, "second": 18}
